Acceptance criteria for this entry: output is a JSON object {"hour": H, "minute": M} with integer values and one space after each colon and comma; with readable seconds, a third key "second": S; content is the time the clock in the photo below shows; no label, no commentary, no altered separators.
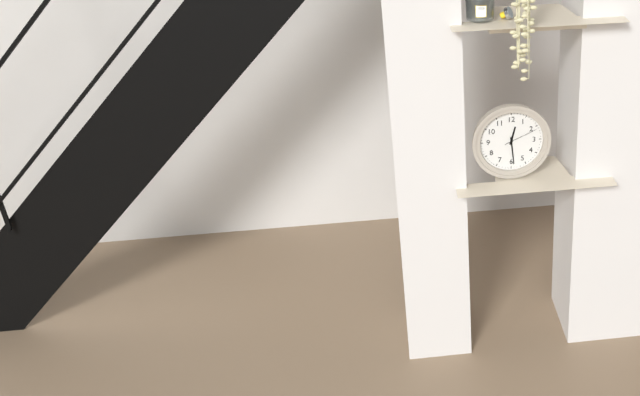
{"hour": 12, "minute": 29}
